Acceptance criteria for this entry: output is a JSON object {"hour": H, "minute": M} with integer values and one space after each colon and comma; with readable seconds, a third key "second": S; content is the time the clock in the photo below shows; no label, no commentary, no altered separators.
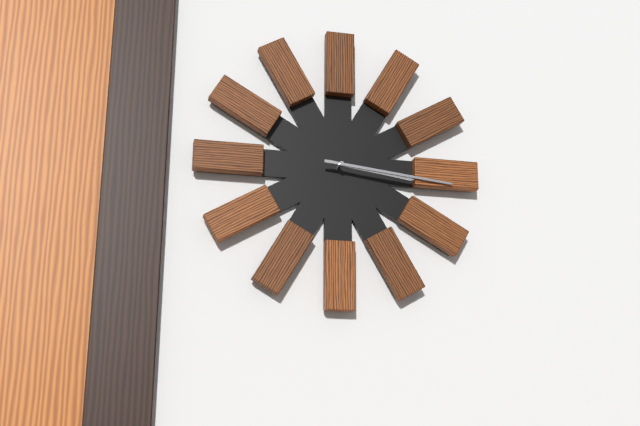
{"hour": 3, "minute": 16}
